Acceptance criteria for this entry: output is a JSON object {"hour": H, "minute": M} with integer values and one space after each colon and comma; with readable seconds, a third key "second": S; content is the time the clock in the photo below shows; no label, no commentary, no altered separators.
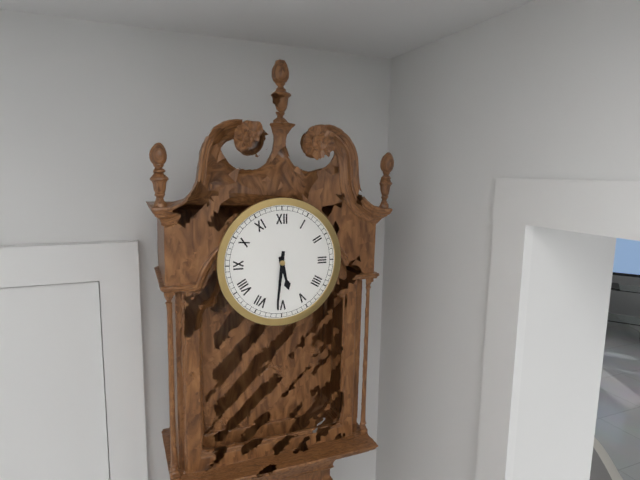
{"hour": 5, "minute": 31}
